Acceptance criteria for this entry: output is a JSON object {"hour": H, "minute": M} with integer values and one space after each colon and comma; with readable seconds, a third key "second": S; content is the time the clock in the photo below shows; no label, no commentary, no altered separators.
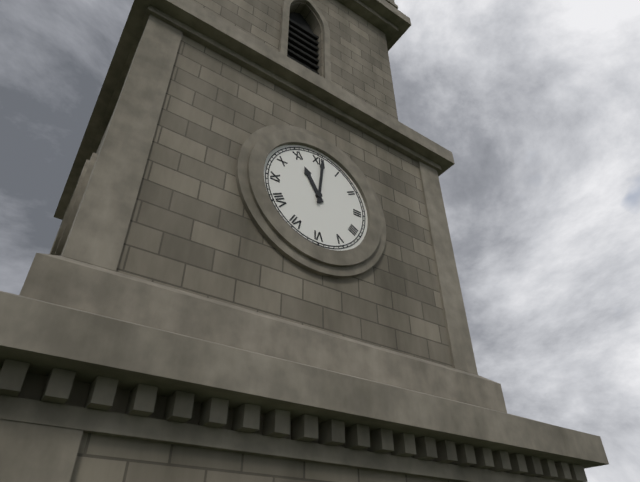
{"hour": 11, "minute": 1}
